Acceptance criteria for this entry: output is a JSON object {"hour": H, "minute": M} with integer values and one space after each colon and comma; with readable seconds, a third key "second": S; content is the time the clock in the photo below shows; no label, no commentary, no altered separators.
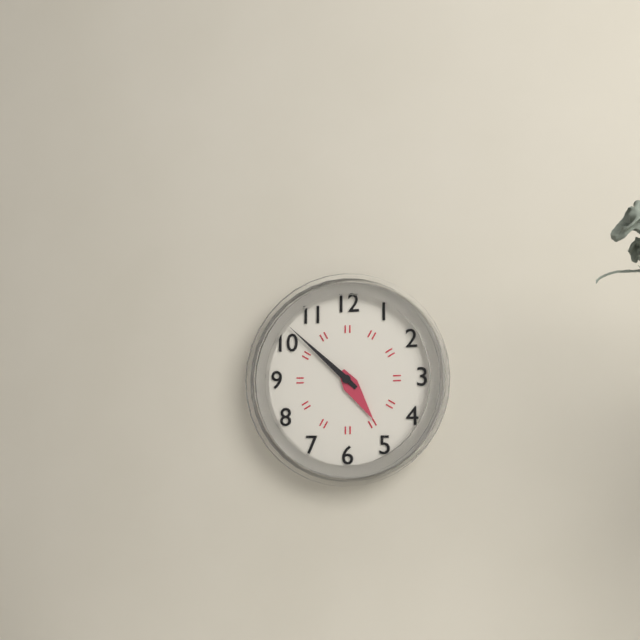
{"hour": 4, "minute": 52}
